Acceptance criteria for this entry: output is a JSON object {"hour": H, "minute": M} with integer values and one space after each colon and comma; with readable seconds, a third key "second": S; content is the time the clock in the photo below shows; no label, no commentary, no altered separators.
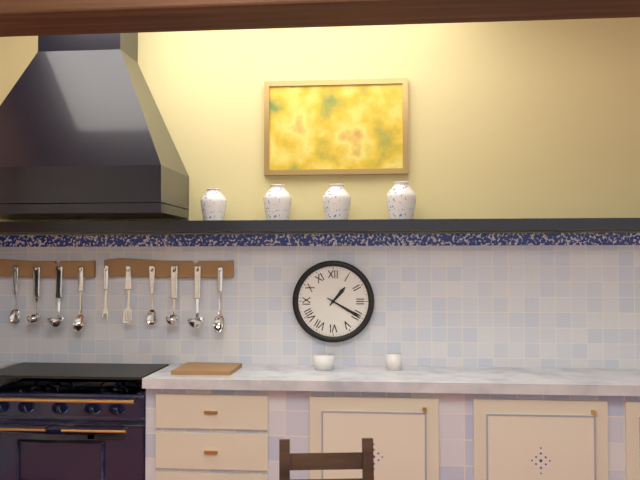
{"hour": 1, "minute": 20}
